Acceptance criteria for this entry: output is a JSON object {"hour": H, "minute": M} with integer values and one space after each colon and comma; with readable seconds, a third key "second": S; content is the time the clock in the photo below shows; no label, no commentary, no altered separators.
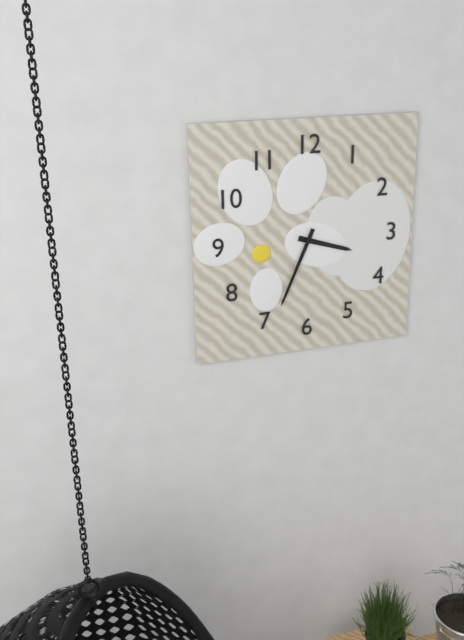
{"hour": 3, "minute": 34}
